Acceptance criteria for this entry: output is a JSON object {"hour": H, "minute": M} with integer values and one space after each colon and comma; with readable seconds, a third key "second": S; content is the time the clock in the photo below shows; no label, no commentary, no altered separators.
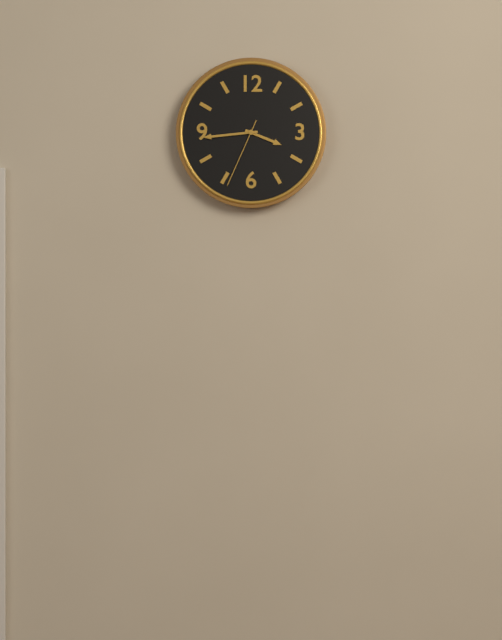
{"hour": 3, "minute": 44, "second": 34}
